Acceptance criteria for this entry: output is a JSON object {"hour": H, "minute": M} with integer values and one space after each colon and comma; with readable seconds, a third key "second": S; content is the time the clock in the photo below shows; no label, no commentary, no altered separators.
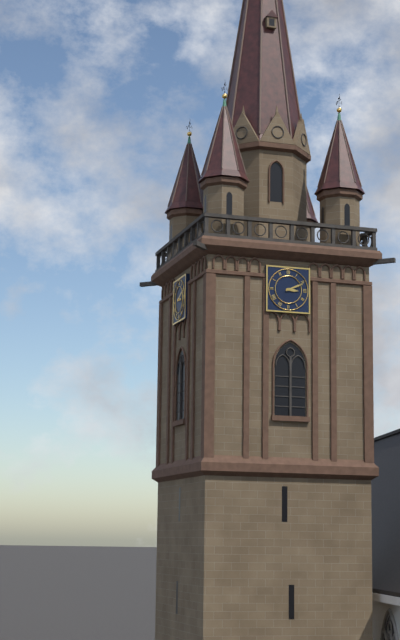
{"hour": 3, "minute": 11}
